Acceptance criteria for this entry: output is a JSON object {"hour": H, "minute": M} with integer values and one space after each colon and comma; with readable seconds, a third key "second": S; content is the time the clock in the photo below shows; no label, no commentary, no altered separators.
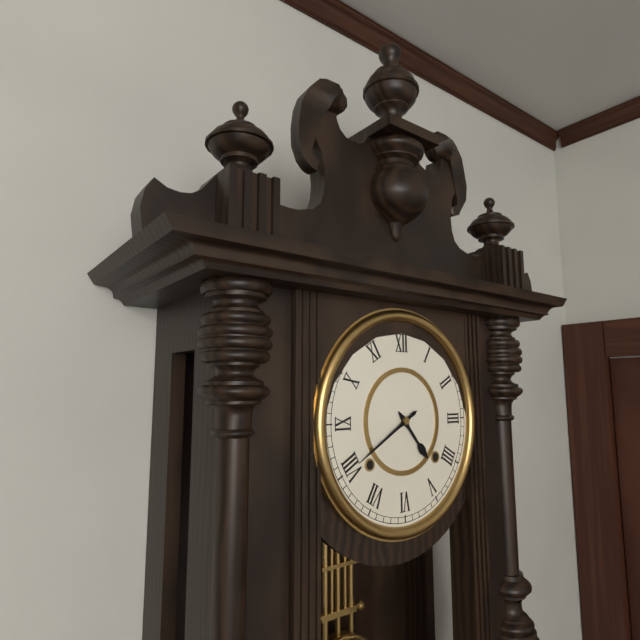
{"hour": 4, "minute": 40}
